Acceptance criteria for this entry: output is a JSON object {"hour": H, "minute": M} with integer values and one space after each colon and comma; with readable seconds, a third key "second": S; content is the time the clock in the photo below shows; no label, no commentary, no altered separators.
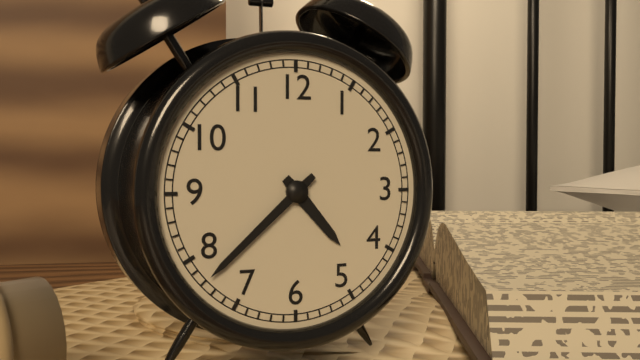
{"hour": 4, "minute": 38}
